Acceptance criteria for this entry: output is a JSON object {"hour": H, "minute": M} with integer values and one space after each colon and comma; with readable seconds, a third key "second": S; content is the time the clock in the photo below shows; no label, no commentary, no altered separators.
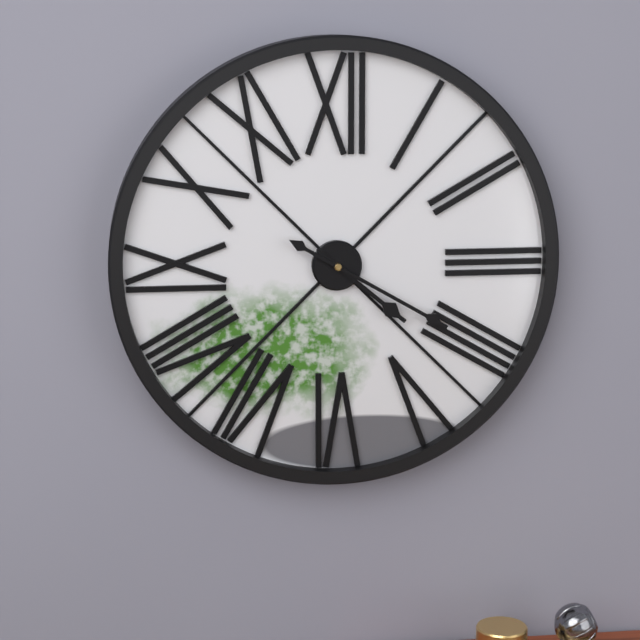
{"hour": 4, "minute": 20}
